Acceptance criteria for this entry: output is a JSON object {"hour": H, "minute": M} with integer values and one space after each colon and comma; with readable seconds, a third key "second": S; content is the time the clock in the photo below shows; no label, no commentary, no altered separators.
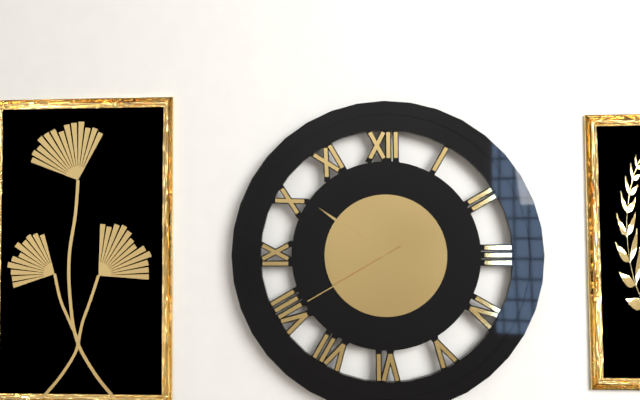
{"hour": 9, "minute": 51, "second": 40}
